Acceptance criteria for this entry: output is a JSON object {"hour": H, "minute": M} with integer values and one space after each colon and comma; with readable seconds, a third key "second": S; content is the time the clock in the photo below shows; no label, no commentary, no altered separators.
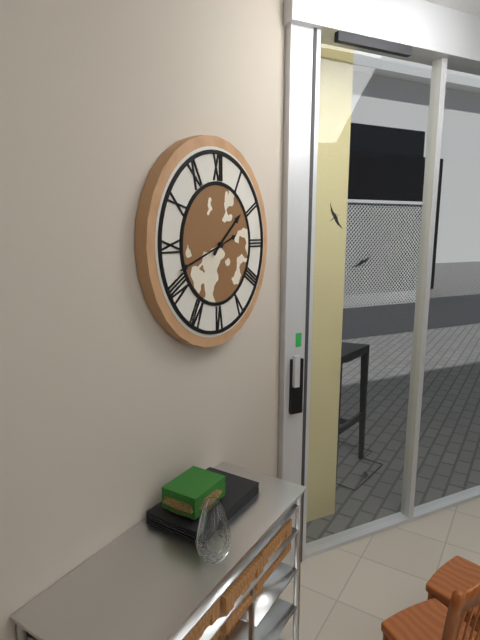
{"hour": 1, "minute": 42}
